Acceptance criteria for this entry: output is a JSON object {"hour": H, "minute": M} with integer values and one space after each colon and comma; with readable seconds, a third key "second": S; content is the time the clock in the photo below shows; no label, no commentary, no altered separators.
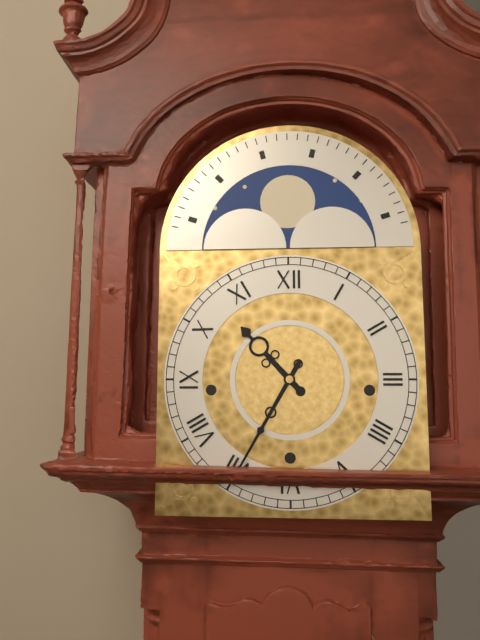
{"hour": 10, "minute": 35}
